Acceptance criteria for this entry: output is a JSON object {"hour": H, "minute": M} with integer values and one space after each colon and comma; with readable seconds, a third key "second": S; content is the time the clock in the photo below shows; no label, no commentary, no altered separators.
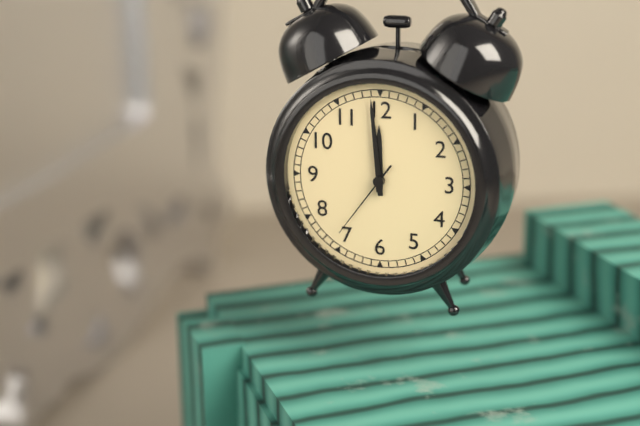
{"hour": 11, "minute": 59, "second": 36}
